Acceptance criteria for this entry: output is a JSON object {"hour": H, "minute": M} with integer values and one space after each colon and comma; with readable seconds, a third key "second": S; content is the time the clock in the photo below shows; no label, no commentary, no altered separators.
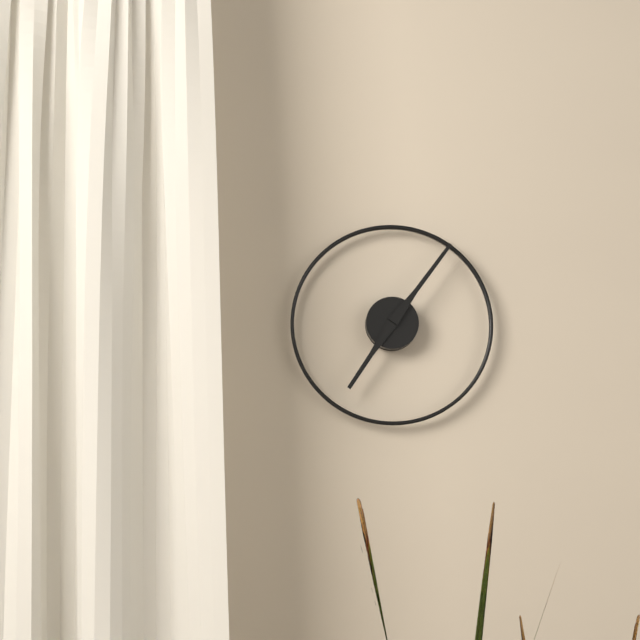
{"hour": 7, "minute": 6}
